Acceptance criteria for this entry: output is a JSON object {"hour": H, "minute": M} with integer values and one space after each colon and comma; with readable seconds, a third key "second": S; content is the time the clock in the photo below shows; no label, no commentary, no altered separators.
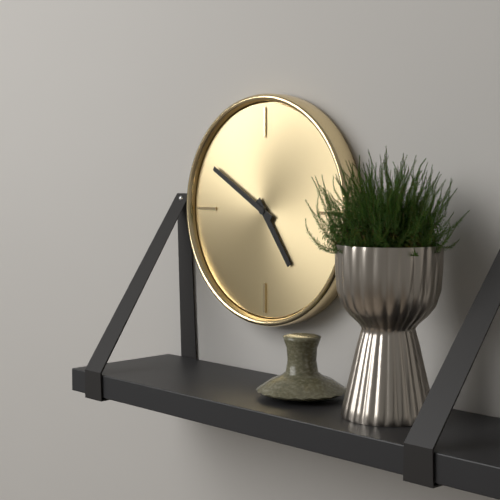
{"hour": 4, "minute": 50}
